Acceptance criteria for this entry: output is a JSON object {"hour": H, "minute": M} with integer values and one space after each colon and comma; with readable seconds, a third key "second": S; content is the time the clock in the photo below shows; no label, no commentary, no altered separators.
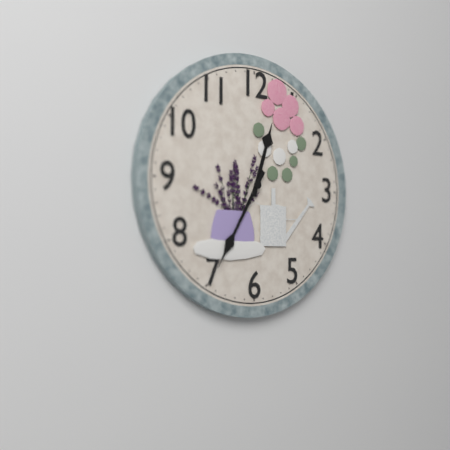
{"hour": 12, "minute": 35}
